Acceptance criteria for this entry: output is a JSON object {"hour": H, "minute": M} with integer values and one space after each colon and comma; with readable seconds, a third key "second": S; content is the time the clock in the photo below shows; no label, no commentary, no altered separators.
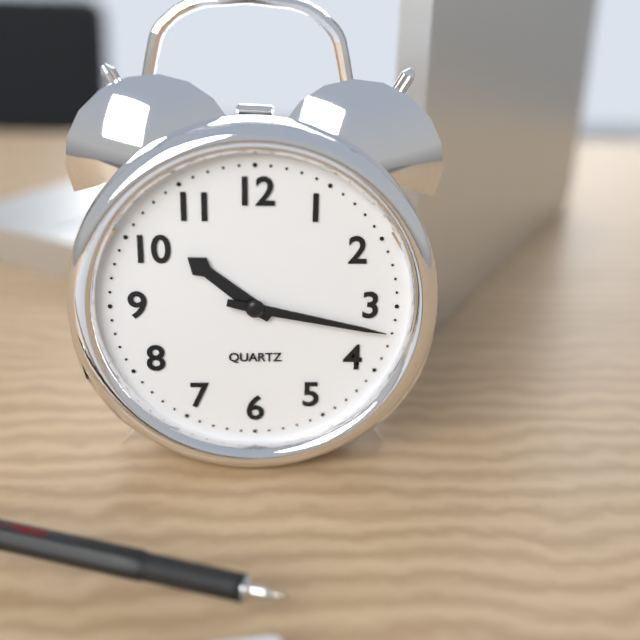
{"hour": 10, "minute": 17}
